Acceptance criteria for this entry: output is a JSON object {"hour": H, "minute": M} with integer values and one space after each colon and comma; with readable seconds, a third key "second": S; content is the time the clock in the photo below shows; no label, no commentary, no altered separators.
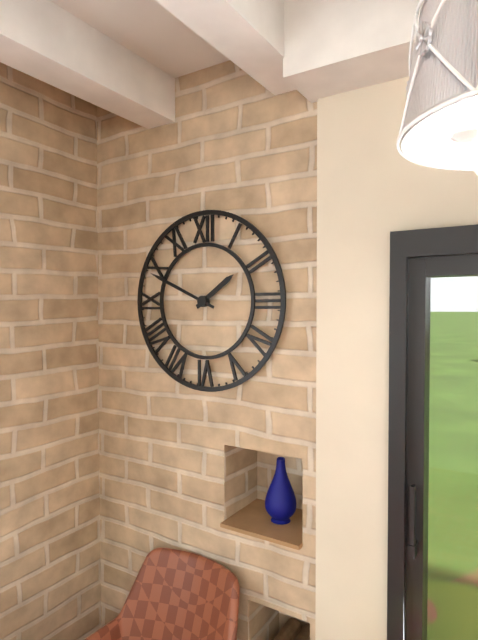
{"hour": 1, "minute": 49}
